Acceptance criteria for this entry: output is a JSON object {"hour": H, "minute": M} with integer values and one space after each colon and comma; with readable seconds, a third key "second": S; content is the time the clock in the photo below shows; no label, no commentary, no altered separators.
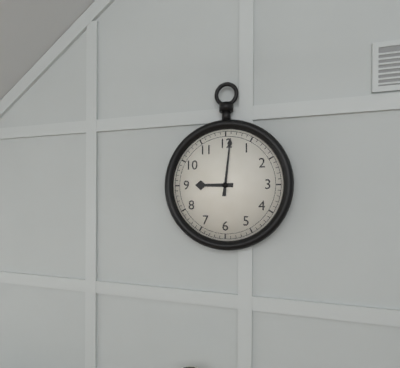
{"hour": 9, "minute": 1}
